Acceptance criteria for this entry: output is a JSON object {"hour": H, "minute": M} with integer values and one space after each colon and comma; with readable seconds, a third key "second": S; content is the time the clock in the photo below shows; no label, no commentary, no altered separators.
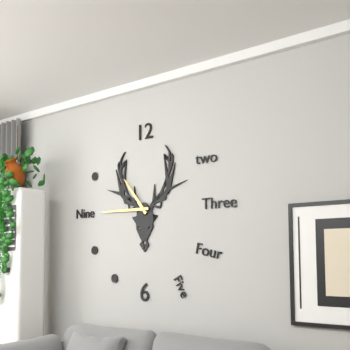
{"hour": 10, "minute": 45}
